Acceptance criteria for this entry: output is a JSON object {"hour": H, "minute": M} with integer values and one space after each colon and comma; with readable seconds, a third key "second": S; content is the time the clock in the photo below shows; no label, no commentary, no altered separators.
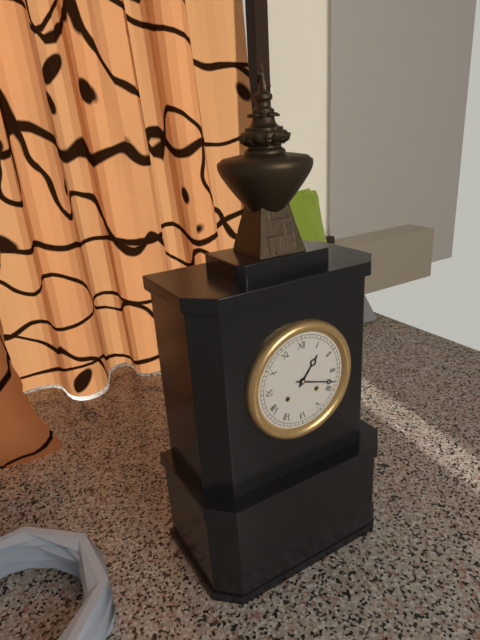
{"hour": 1, "minute": 18}
